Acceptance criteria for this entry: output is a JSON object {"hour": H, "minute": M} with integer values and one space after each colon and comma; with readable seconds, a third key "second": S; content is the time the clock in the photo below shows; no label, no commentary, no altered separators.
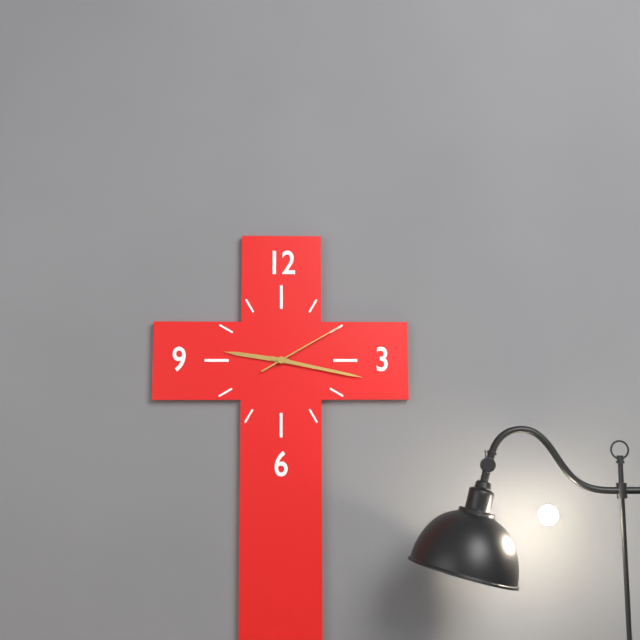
{"hour": 9, "minute": 17, "second": 10}
